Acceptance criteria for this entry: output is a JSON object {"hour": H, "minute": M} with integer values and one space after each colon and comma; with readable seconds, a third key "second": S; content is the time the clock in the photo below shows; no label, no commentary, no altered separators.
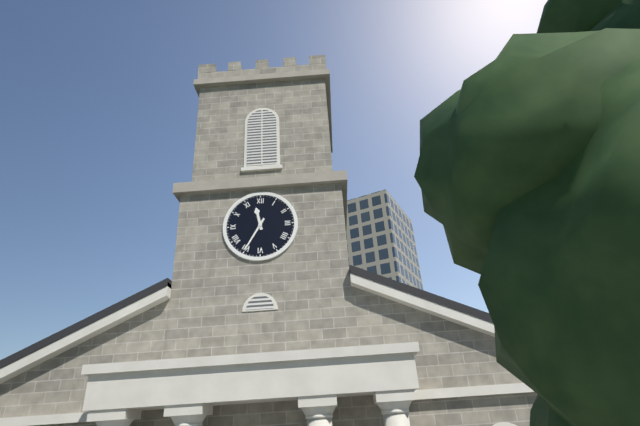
{"hour": 11, "minute": 35}
